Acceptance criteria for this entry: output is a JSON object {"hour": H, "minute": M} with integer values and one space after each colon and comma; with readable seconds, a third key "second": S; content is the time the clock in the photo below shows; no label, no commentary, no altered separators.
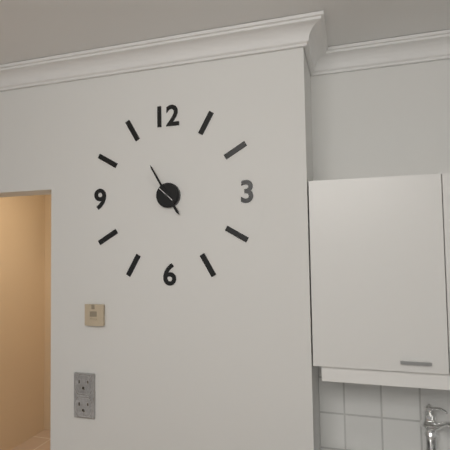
{"hour": 4, "minute": 55}
